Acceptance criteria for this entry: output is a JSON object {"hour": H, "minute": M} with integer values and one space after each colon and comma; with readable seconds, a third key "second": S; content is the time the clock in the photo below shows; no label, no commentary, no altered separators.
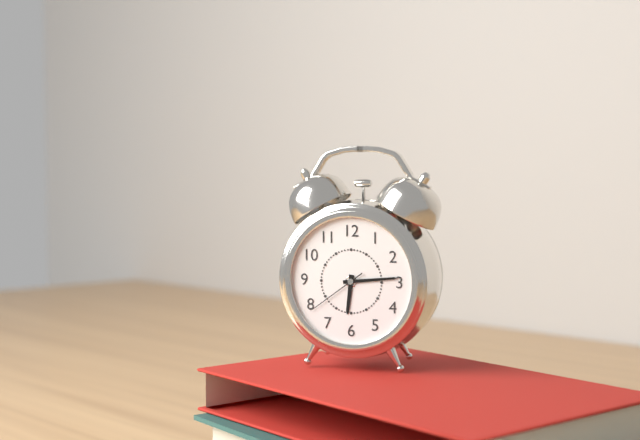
{"hour": 6, "minute": 14, "second": 39}
